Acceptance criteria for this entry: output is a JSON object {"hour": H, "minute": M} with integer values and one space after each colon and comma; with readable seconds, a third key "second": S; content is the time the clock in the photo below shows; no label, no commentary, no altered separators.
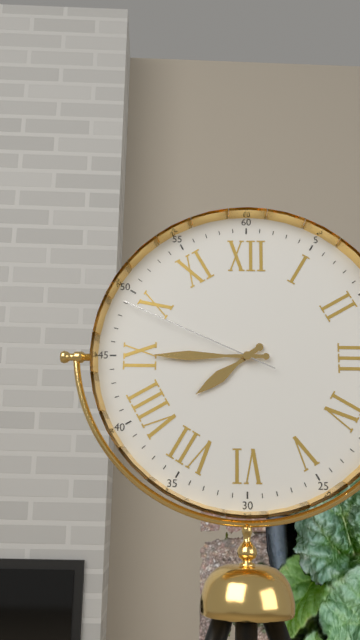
{"hour": 7, "minute": 45, "second": 49}
